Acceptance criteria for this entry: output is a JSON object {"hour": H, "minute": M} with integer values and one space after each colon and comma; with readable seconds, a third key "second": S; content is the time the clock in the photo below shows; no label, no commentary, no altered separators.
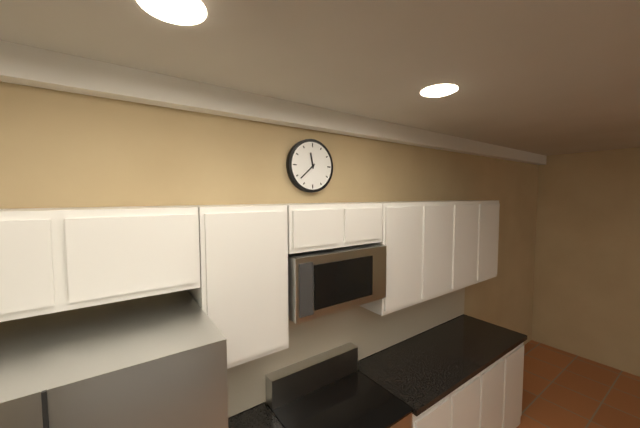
{"hour": 11, "minute": 38}
